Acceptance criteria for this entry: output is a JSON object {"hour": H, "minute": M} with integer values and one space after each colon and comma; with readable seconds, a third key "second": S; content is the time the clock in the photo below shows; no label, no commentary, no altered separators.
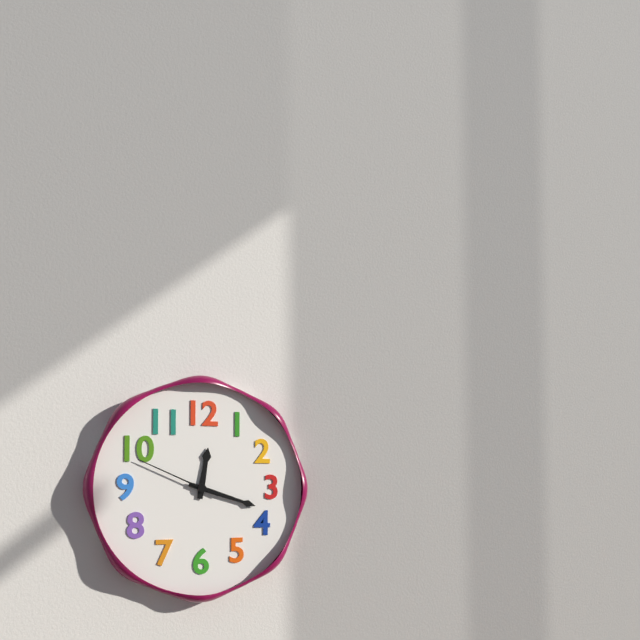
{"hour": 12, "minute": 18, "second": 49}
